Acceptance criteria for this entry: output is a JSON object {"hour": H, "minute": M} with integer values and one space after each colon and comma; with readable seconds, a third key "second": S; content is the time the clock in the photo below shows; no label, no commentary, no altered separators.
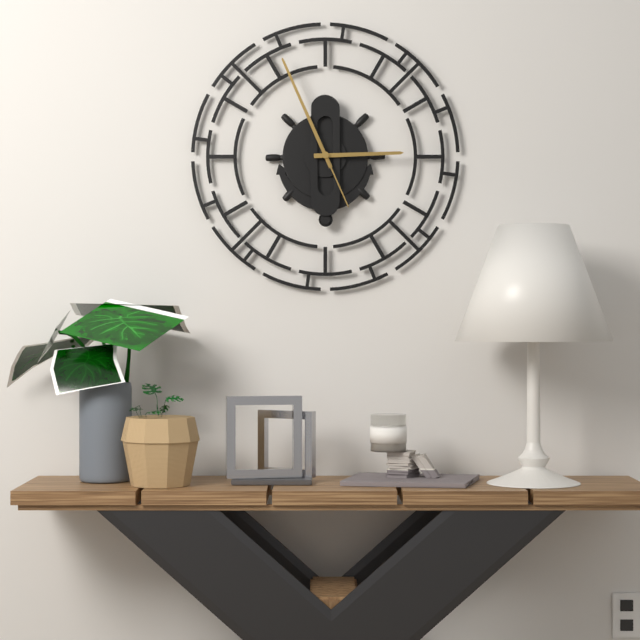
{"hour": 2, "minute": 56, "second": 26}
